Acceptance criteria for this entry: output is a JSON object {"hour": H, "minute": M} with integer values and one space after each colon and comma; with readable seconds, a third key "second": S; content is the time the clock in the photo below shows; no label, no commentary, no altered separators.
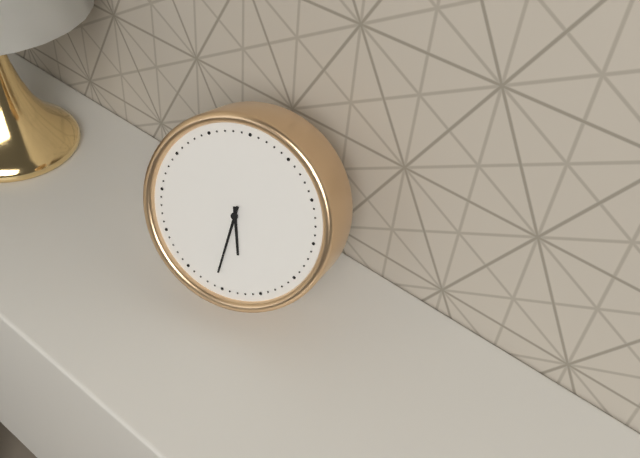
{"hour": 5, "minute": 31}
